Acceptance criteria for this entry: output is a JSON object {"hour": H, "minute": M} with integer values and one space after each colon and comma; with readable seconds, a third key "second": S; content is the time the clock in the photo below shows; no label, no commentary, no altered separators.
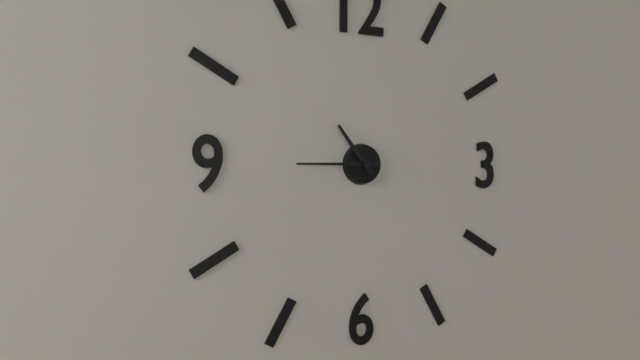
{"hour": 10, "minute": 45}
